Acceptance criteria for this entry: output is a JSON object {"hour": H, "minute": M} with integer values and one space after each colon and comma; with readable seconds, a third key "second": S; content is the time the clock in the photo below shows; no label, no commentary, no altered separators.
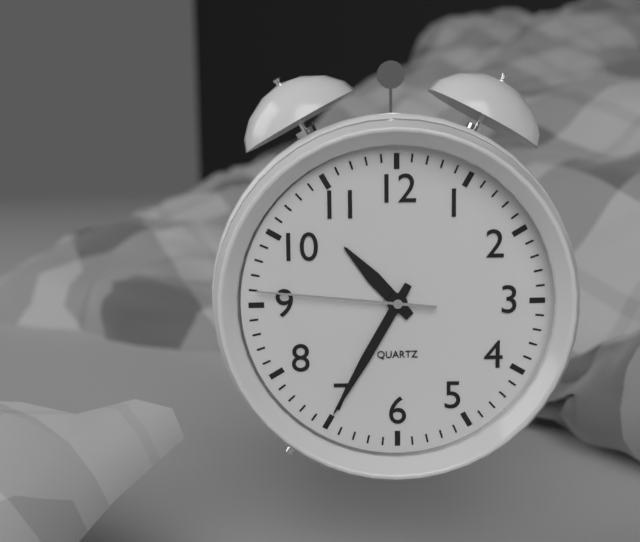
{"hour": 10, "minute": 35, "second": 46}
